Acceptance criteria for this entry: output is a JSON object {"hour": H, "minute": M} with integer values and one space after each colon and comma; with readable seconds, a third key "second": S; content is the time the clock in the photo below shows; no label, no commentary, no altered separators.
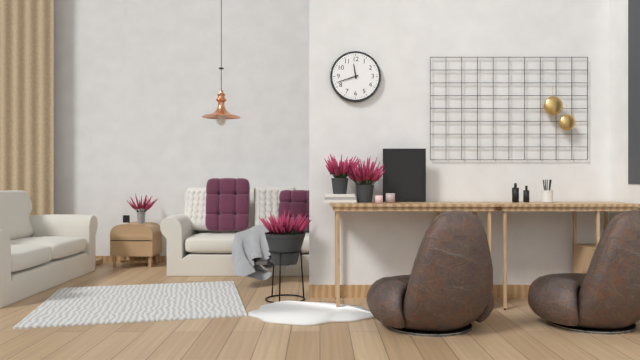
{"hour": 11, "minute": 42}
